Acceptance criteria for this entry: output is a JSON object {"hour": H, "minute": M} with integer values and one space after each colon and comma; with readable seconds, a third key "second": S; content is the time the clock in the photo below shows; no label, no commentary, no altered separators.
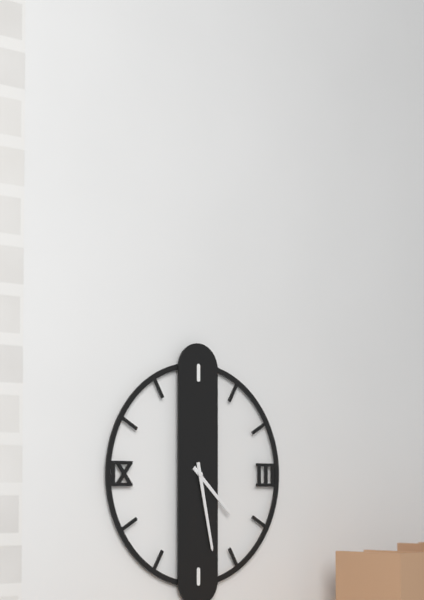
{"hour": 4, "minute": 28}
